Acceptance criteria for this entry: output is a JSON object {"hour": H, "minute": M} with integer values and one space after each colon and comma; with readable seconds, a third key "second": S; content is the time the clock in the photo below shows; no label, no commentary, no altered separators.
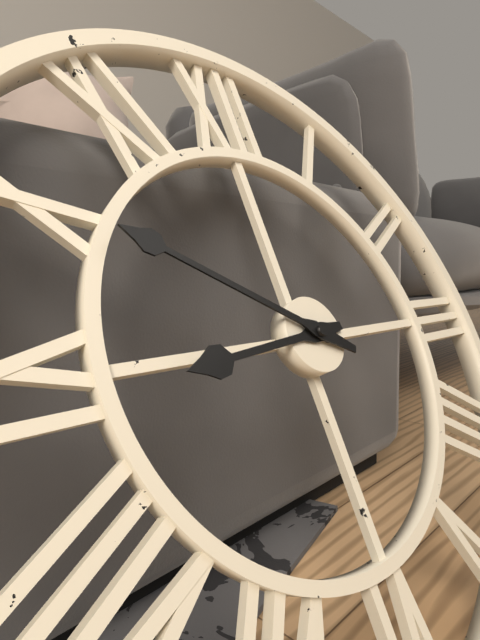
{"hour": 8, "minute": 50}
